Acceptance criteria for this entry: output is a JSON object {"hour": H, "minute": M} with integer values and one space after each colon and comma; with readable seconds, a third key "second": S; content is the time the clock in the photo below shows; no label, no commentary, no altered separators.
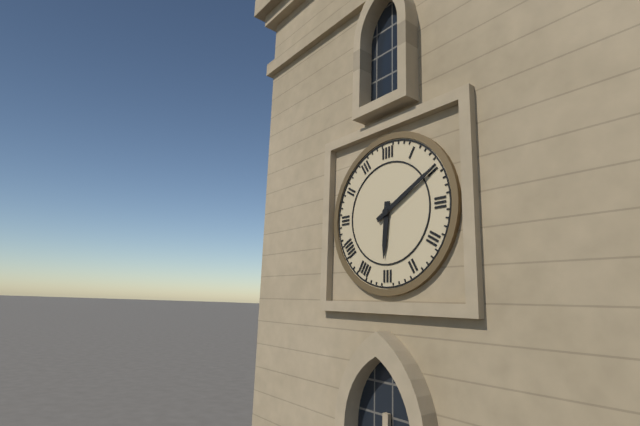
{"hour": 6, "minute": 10}
